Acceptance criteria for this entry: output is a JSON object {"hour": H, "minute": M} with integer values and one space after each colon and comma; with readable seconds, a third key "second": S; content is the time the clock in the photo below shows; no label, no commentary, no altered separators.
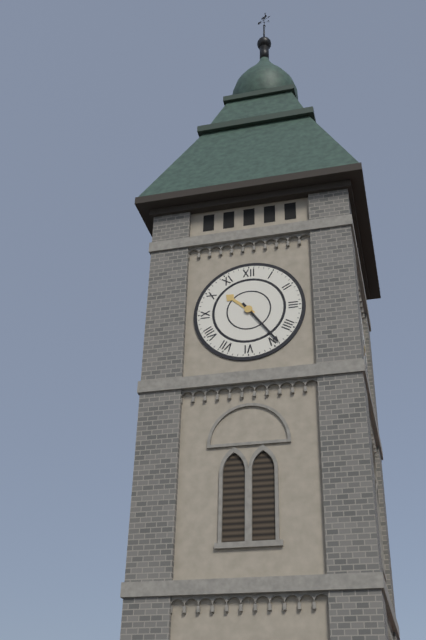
{"hour": 10, "minute": 24}
